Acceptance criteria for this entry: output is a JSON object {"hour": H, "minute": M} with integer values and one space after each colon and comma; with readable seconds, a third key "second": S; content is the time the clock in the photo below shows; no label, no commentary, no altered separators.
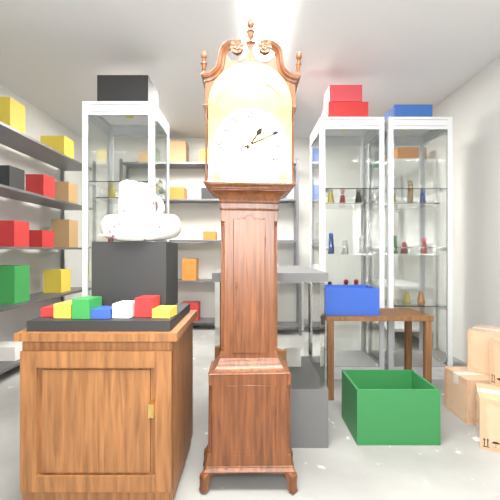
{"hour": 1, "minute": 11}
